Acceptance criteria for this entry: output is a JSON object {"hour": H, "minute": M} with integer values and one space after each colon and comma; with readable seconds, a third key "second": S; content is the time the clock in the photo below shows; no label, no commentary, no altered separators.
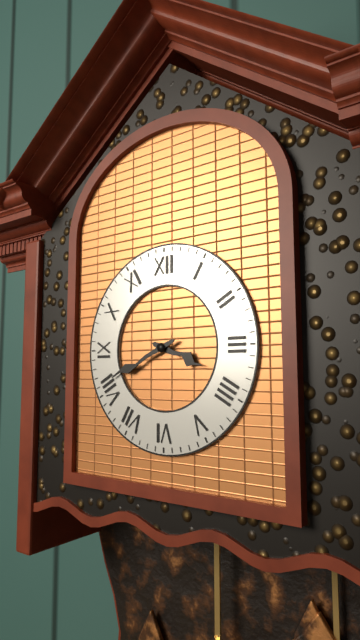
{"hour": 3, "minute": 41}
